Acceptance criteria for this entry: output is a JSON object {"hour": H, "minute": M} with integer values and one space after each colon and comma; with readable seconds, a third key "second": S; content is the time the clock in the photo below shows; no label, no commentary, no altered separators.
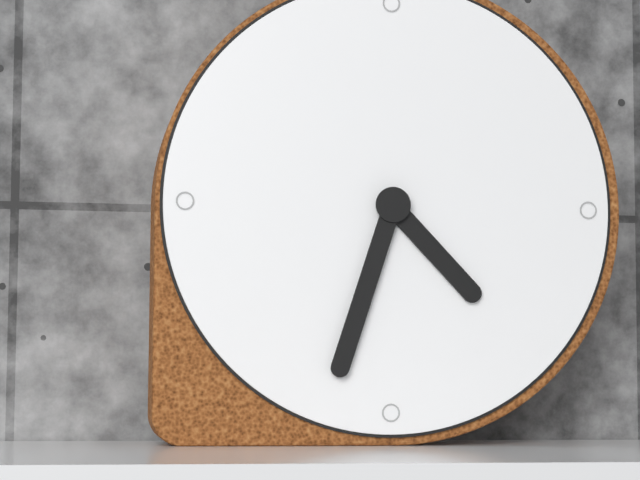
{"hour": 4, "minute": 33}
